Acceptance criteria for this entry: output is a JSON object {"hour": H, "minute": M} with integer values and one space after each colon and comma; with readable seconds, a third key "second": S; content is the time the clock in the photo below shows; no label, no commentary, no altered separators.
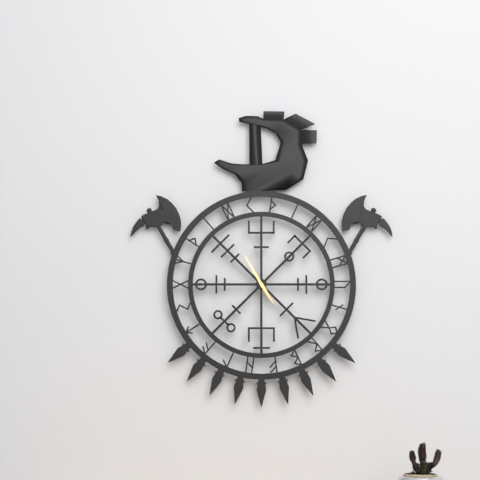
{"hour": 4, "minute": 55}
